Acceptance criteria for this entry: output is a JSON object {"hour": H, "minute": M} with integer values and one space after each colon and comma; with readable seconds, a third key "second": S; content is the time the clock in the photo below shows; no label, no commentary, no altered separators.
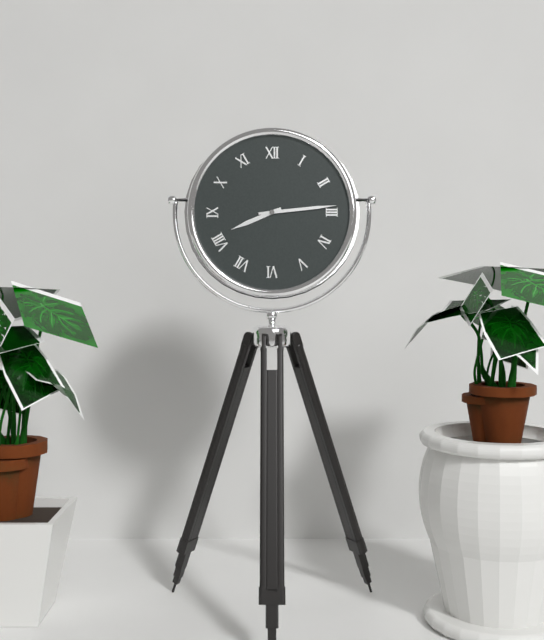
{"hour": 8, "minute": 14}
